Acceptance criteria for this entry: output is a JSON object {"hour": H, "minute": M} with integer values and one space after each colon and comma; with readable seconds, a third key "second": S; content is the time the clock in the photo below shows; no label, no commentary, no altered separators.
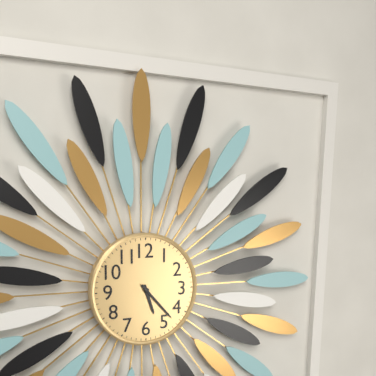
{"hour": 5, "minute": 23}
